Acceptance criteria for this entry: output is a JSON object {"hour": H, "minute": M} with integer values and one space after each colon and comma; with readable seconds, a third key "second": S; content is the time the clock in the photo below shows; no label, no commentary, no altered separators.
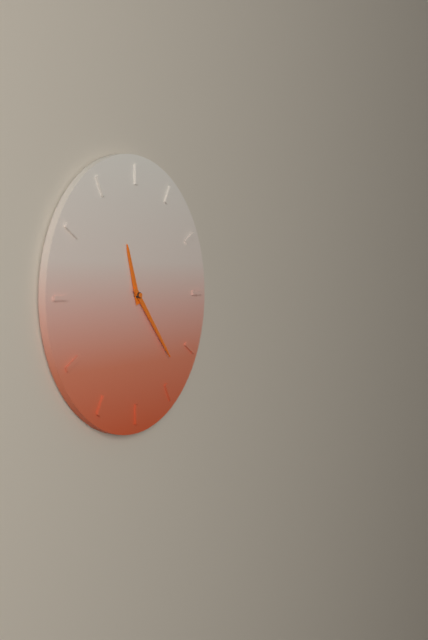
{"hour": 11, "minute": 23}
